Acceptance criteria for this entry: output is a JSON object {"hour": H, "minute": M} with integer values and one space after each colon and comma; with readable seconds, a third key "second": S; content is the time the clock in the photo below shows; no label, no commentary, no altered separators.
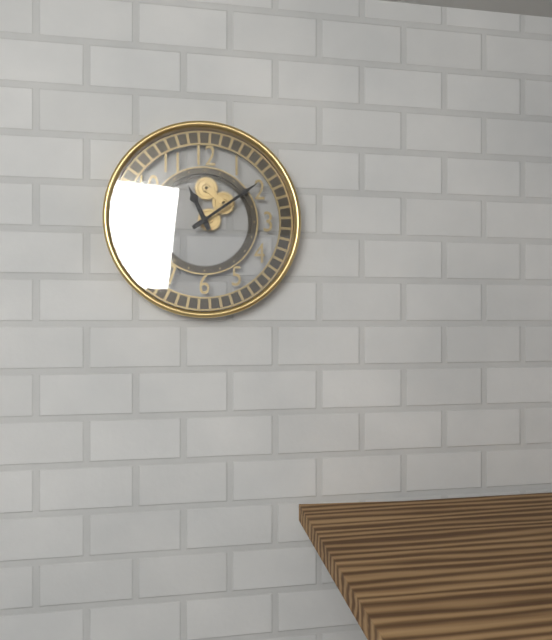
{"hour": 11, "minute": 9}
